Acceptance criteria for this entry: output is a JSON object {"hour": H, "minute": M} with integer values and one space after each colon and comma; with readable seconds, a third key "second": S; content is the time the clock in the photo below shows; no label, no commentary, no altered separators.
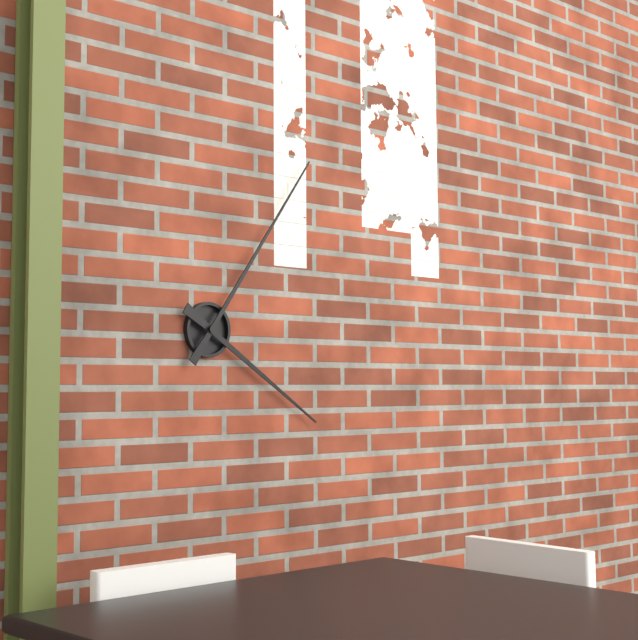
{"hour": 4, "minute": 6}
